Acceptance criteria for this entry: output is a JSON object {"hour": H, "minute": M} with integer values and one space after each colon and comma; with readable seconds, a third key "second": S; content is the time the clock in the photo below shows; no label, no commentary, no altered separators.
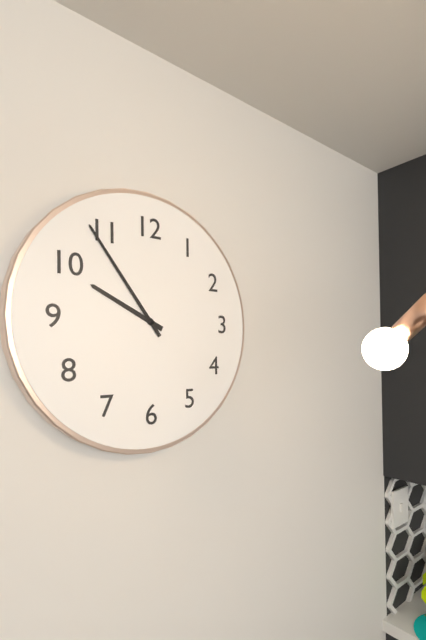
{"hour": 9, "minute": 54}
